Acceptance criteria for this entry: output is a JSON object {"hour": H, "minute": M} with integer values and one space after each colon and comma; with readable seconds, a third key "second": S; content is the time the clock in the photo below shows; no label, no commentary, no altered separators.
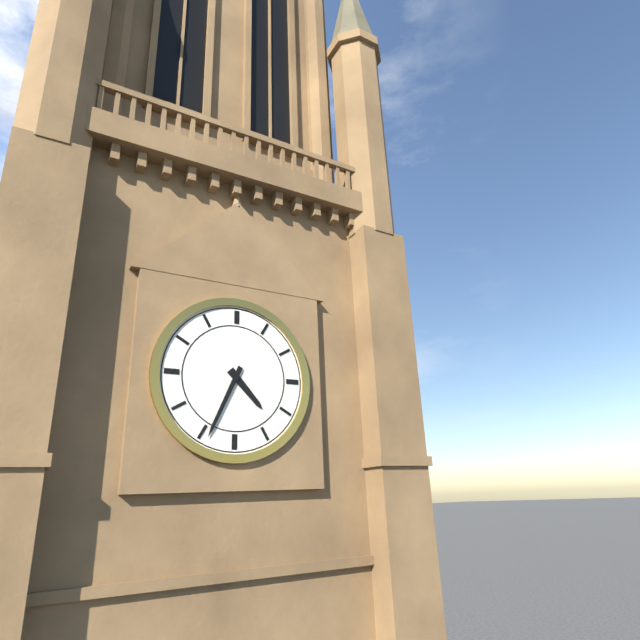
{"hour": 4, "minute": 34}
